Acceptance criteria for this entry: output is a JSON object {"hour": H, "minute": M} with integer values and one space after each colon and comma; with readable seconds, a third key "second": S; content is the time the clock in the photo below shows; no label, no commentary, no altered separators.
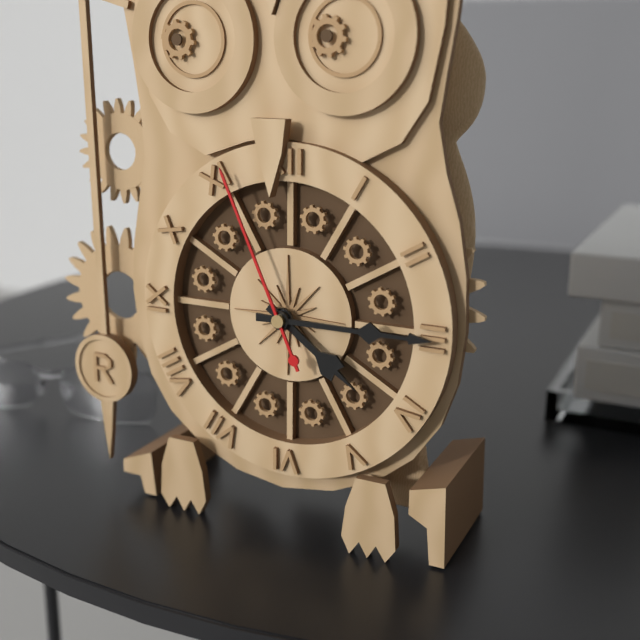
{"hour": 4, "minute": 15, "second": 56}
